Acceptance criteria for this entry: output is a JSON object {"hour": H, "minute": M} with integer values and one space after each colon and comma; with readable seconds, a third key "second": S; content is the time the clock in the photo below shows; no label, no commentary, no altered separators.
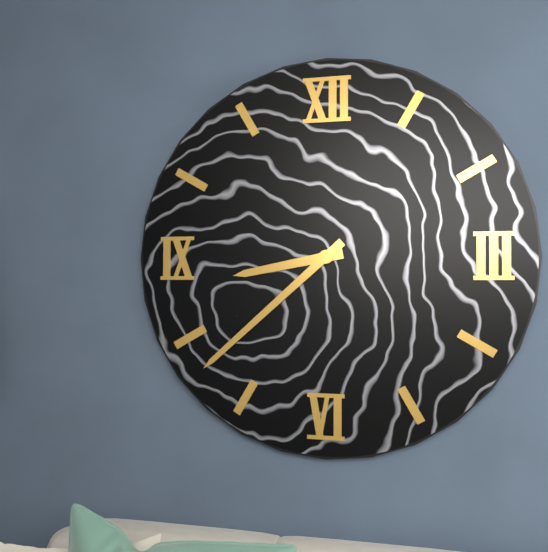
{"hour": 8, "minute": 38}
